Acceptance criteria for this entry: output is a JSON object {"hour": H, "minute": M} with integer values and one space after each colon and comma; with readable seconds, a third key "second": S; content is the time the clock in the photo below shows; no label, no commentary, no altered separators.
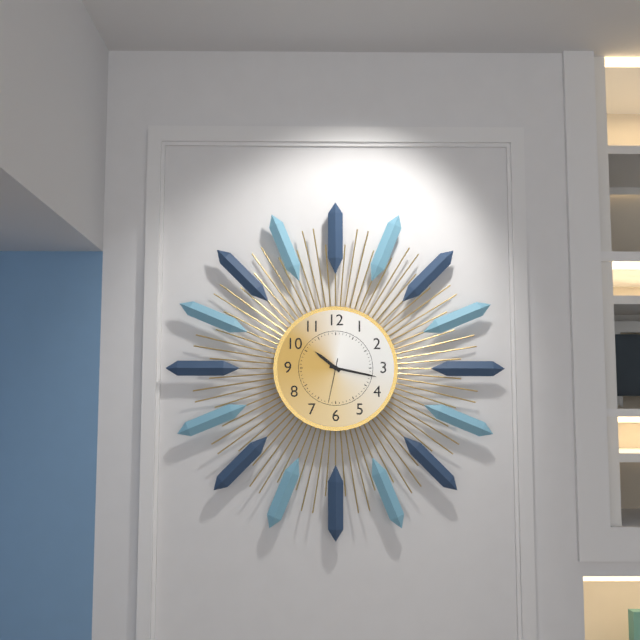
{"hour": 10, "minute": 17}
